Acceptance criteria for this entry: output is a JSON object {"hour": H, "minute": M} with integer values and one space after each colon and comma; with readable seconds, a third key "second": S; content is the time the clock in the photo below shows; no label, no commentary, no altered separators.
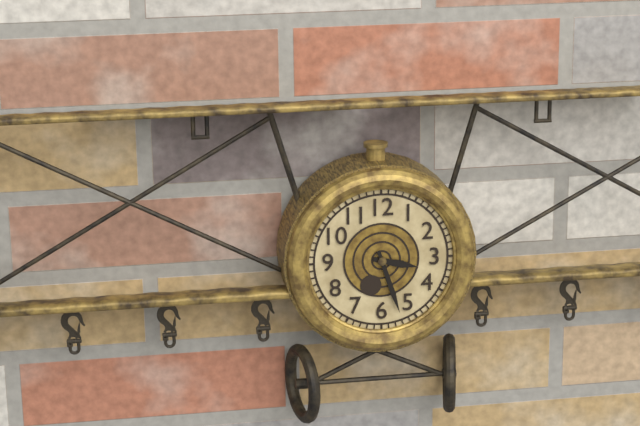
{"hour": 3, "minute": 27}
